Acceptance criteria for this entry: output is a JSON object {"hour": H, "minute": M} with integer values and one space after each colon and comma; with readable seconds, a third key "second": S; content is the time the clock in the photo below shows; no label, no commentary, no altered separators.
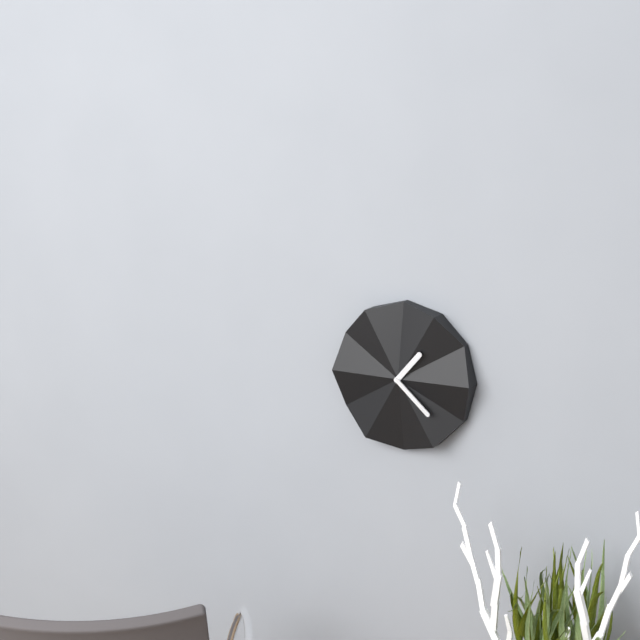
{"hour": 1, "minute": 22}
